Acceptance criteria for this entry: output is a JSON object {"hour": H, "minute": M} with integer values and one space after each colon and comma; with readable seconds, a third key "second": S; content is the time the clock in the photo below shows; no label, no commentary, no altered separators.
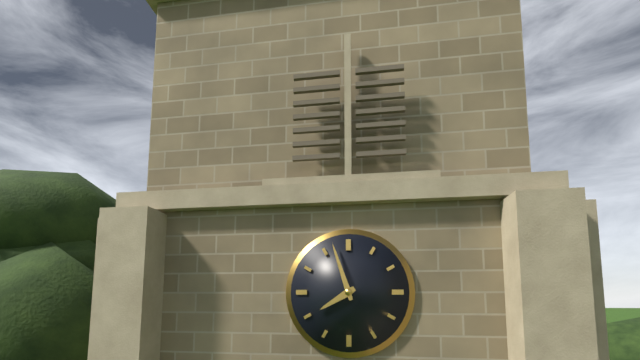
{"hour": 7, "minute": 57}
